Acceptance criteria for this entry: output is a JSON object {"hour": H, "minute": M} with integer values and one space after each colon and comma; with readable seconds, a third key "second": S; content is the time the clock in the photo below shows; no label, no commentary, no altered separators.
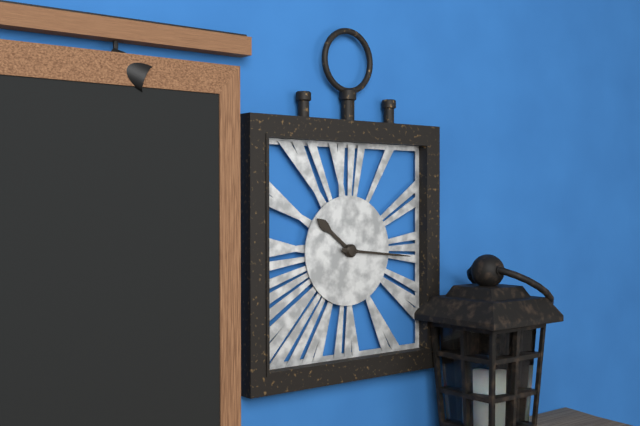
{"hour": 10, "minute": 16}
